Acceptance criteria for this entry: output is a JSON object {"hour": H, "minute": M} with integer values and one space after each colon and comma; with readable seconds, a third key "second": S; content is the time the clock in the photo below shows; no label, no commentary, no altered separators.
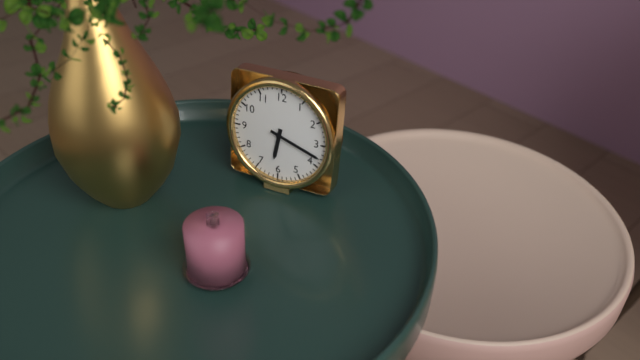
{"hour": 6, "minute": 18}
